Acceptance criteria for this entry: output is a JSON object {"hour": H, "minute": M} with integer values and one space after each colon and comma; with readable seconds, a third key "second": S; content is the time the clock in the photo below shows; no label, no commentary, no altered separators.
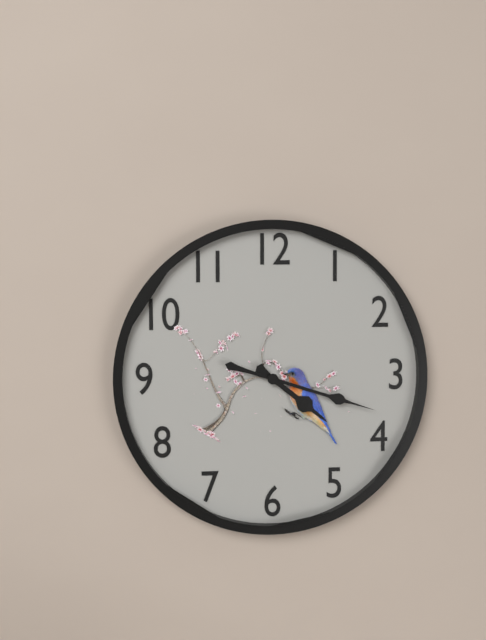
{"hour": 4, "minute": 18}
